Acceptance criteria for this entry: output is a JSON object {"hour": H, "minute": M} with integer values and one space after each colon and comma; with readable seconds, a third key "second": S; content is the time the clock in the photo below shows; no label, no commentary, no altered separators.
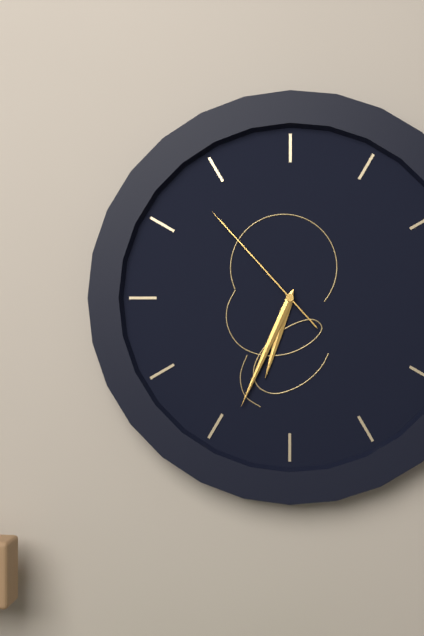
{"hour": 6, "minute": 34, "second": 53}
